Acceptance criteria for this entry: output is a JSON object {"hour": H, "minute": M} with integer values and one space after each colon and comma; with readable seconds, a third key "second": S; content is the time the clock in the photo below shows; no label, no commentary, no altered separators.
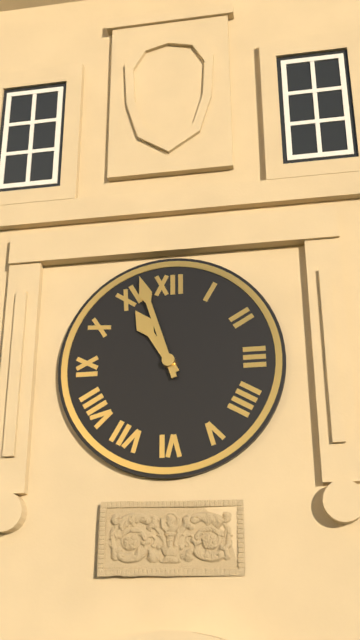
{"hour": 10, "minute": 57}
